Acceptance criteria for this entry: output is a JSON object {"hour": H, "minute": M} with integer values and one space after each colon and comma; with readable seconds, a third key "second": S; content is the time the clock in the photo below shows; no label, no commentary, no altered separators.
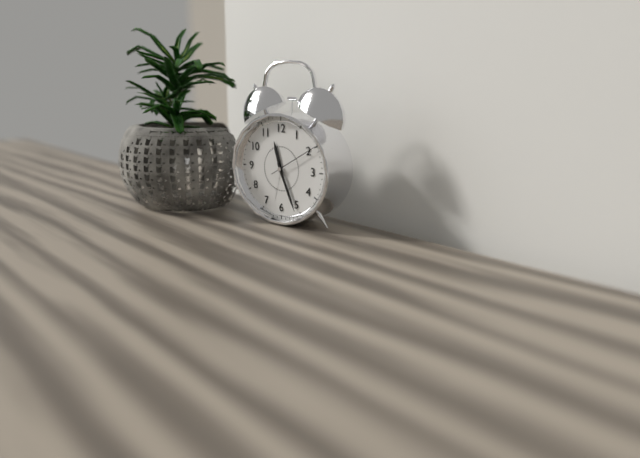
{"hour": 11, "minute": 26}
